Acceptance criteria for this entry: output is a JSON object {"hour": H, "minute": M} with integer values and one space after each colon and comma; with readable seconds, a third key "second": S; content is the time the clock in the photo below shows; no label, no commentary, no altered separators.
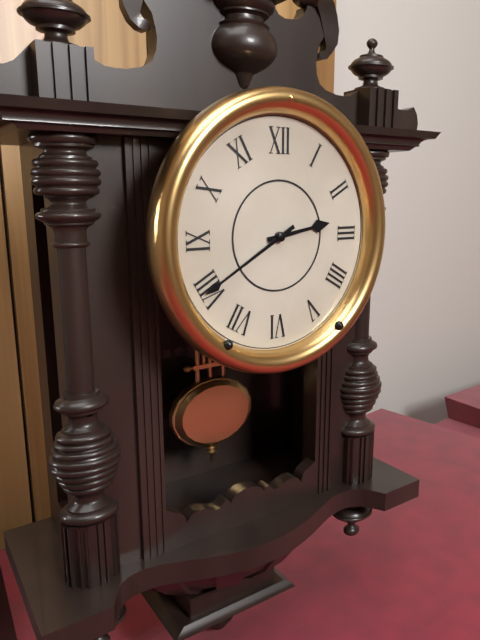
{"hour": 2, "minute": 40}
